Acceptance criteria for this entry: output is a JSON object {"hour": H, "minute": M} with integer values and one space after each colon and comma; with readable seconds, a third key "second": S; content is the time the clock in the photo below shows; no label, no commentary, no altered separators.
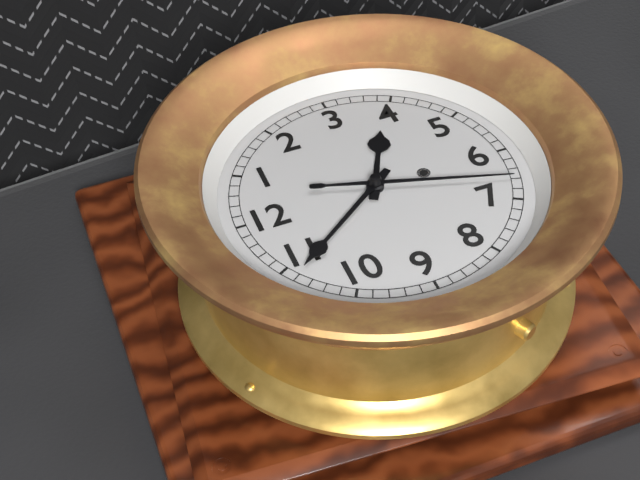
{"hour": 3, "minute": 54, "second": 33}
